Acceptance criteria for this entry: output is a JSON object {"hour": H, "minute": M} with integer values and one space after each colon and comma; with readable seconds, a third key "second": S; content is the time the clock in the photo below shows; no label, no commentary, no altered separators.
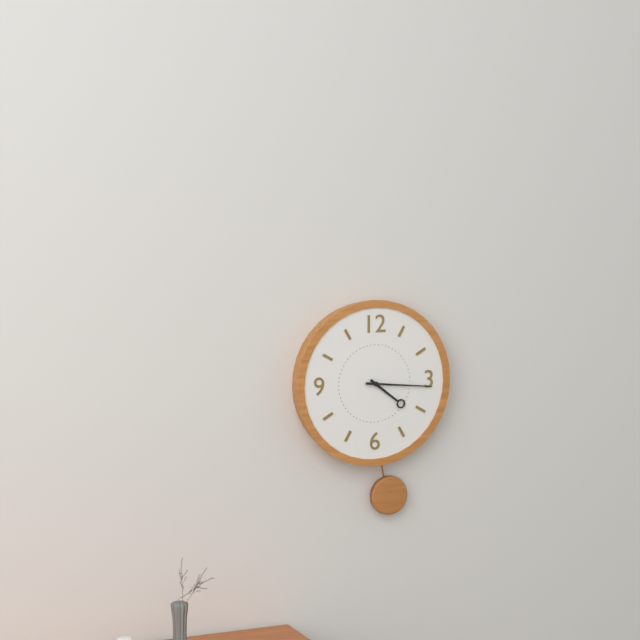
{"hour": 4, "minute": 16}
